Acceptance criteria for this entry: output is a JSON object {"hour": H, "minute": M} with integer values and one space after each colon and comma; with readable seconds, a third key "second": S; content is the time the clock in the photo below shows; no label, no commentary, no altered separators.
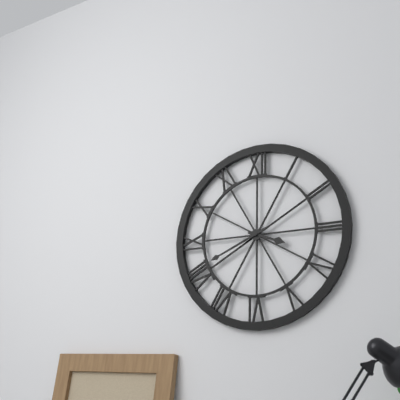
{"hour": 3, "minute": 41}
